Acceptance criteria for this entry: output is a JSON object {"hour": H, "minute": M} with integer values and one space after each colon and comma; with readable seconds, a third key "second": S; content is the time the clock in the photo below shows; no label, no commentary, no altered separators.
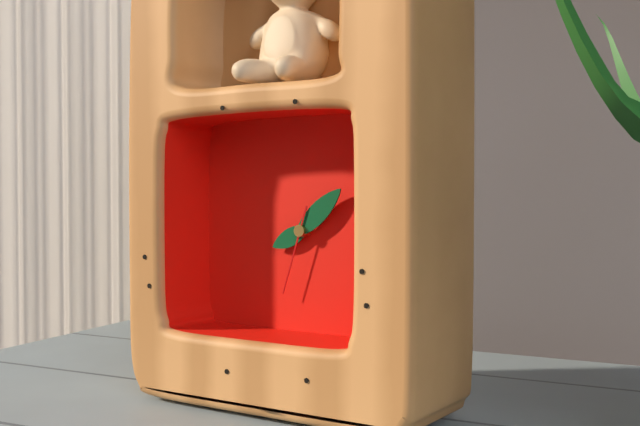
{"hour": 8, "minute": 8, "second": 33}
